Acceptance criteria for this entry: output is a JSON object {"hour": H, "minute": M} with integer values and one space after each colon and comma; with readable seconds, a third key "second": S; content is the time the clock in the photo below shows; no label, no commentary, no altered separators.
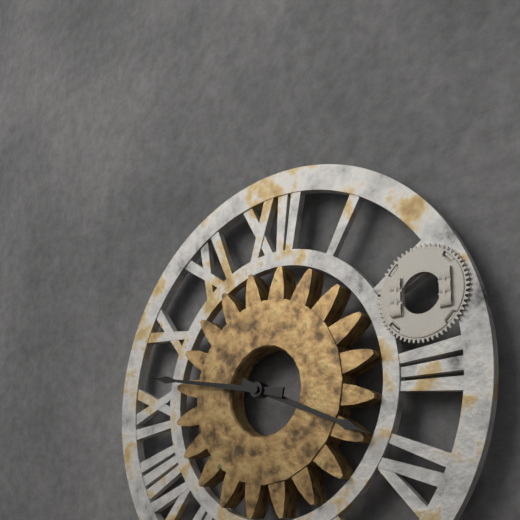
{"hour": 3, "minute": 47}
